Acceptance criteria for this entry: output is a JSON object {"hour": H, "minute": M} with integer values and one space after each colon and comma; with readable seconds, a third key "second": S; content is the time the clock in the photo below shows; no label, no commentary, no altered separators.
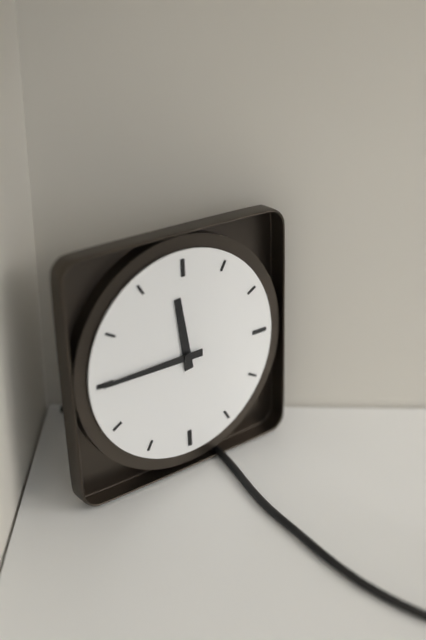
{"hour": 11, "minute": 45}
